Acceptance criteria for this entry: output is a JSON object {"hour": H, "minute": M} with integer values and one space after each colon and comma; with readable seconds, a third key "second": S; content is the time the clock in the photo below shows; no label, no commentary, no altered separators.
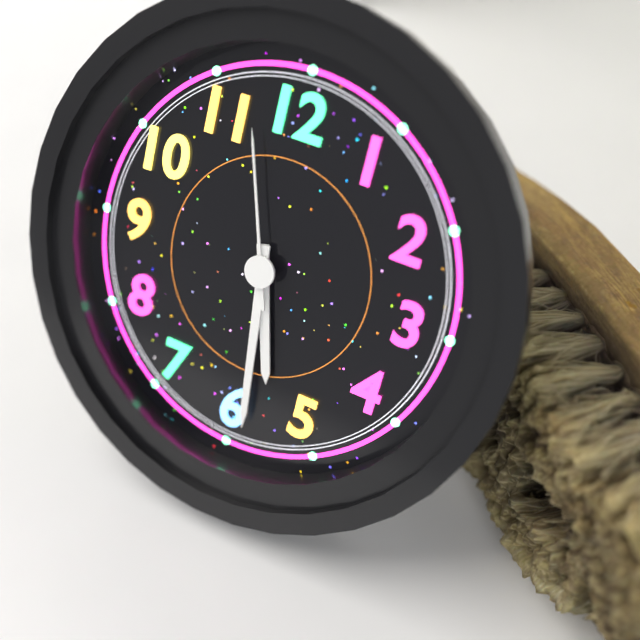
{"hour": 5, "minute": 29, "second": 57}
